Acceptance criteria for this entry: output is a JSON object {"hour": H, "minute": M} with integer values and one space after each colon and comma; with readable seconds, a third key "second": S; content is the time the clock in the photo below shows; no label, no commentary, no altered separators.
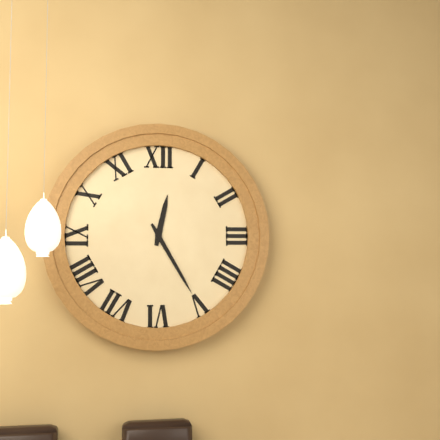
{"hour": 12, "minute": 25}
